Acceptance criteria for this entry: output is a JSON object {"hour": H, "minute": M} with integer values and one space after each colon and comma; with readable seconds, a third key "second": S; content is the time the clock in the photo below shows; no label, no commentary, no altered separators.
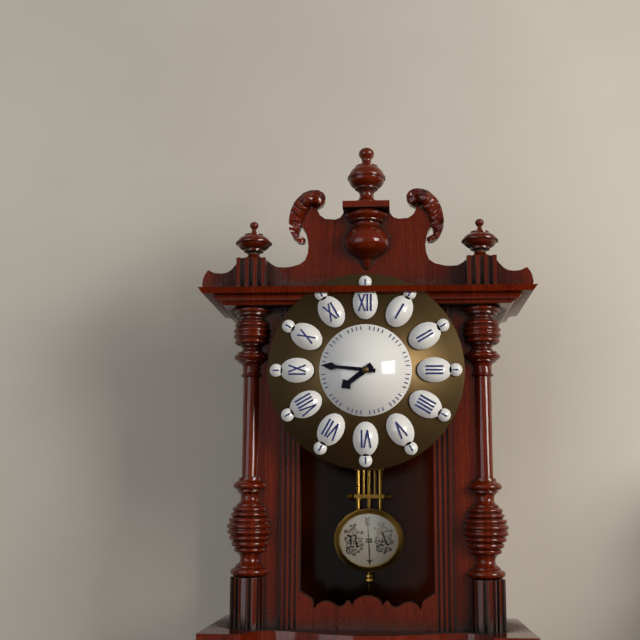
{"hour": 7, "minute": 46}
